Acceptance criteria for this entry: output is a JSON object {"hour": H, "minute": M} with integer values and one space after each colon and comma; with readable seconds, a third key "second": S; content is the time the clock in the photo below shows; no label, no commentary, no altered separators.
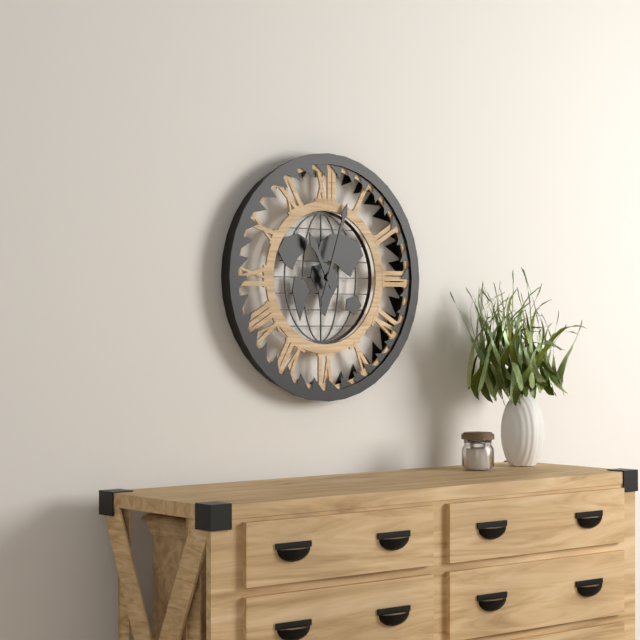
{"hour": 11, "minute": 3}
